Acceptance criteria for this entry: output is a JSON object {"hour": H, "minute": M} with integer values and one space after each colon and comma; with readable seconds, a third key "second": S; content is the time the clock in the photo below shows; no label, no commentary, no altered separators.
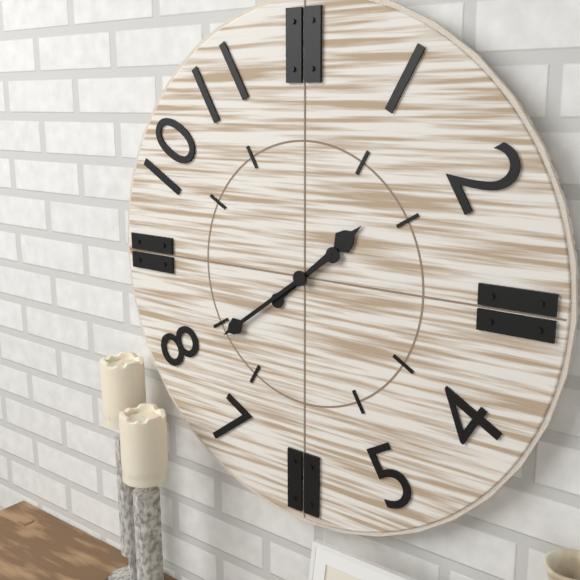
{"hour": 1, "minute": 39}
